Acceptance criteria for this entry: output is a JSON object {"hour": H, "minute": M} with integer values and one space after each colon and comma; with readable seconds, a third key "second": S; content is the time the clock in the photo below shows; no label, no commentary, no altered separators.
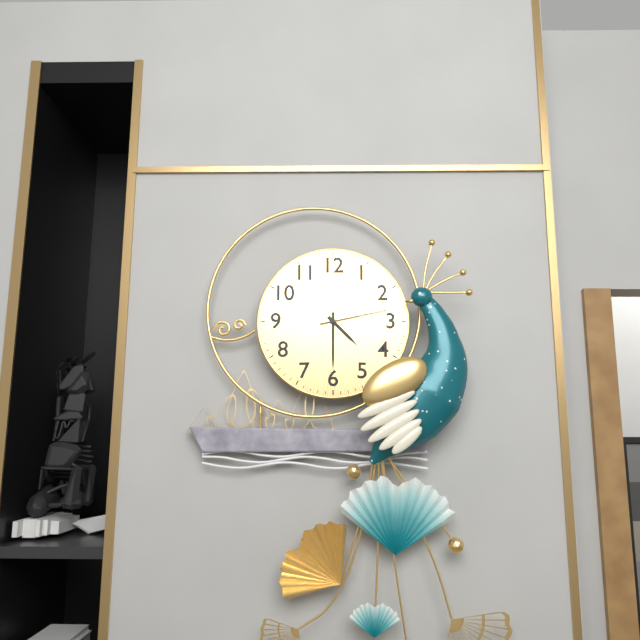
{"hour": 4, "minute": 30, "second": 13}
